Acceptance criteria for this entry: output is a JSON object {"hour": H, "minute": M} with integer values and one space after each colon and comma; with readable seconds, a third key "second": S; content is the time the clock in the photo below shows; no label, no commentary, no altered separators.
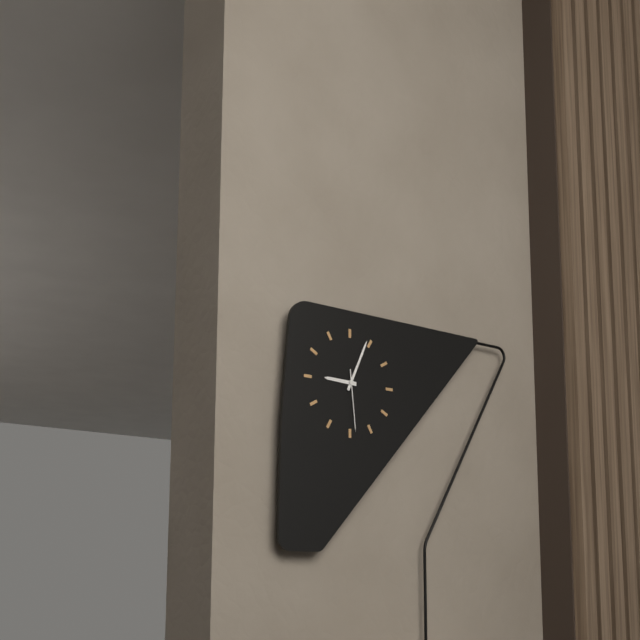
{"hour": 9, "minute": 4, "second": 29}
